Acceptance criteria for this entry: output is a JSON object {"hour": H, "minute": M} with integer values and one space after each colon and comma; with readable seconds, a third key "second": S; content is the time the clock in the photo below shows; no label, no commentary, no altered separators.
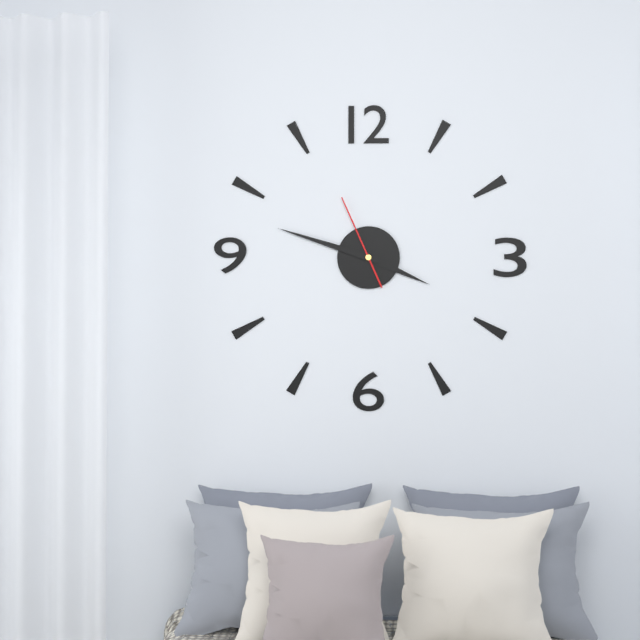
{"hour": 3, "minute": 48, "second": 56}
